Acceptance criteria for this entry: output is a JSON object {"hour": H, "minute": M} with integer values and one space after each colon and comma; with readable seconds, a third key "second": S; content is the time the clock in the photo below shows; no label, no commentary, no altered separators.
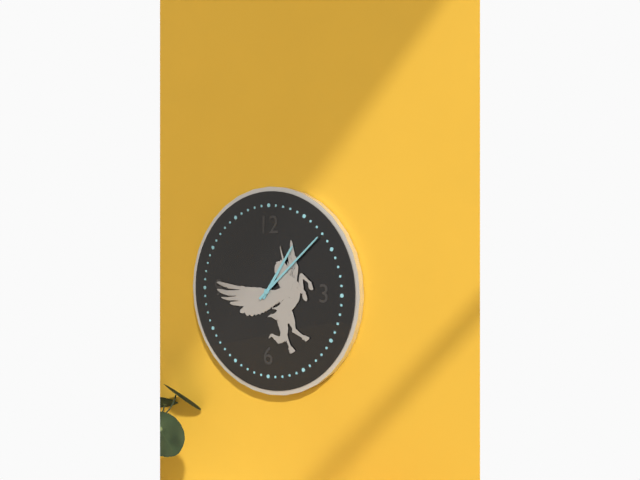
{"hour": 1, "minute": 8}
